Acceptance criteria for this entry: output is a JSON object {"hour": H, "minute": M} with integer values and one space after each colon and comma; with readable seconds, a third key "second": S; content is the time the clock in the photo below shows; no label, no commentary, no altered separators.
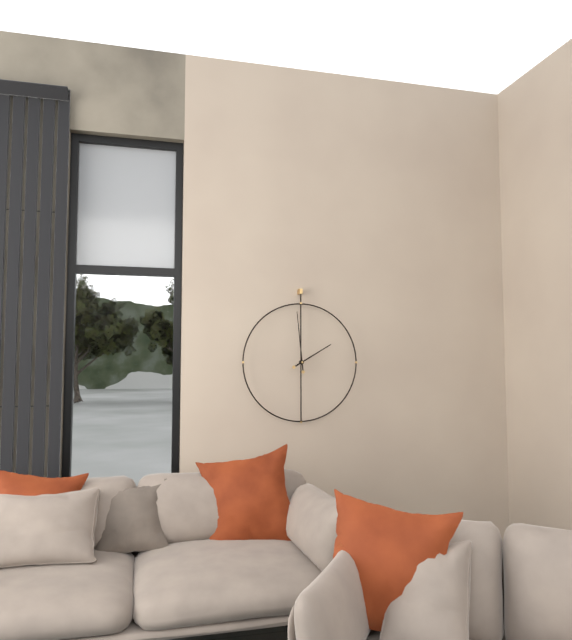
{"hour": 1, "minute": 59}
